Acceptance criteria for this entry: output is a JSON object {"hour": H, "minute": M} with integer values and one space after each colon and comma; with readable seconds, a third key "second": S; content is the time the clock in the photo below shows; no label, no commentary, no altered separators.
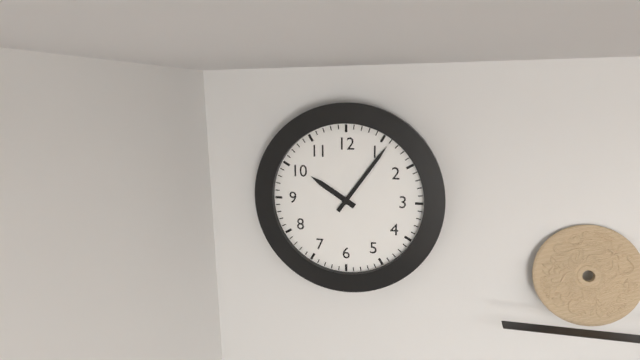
{"hour": 10, "minute": 6}
